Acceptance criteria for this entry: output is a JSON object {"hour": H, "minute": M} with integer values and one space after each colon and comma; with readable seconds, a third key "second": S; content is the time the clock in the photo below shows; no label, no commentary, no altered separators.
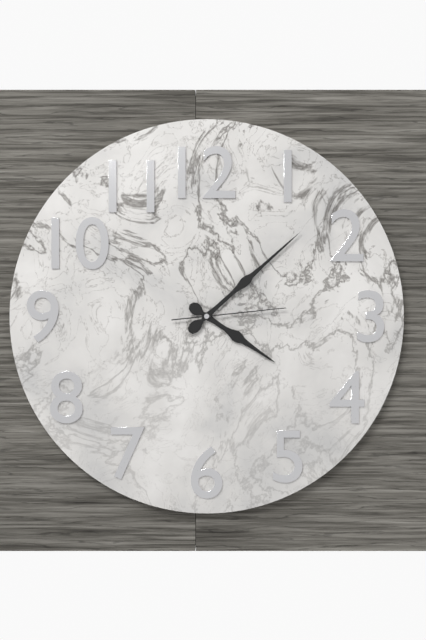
{"hour": 4, "minute": 8, "second": 14}
